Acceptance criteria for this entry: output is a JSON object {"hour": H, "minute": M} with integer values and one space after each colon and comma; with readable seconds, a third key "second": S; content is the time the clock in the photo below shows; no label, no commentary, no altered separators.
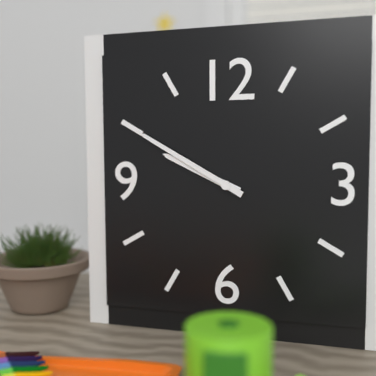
{"hour": 9, "minute": 50}
